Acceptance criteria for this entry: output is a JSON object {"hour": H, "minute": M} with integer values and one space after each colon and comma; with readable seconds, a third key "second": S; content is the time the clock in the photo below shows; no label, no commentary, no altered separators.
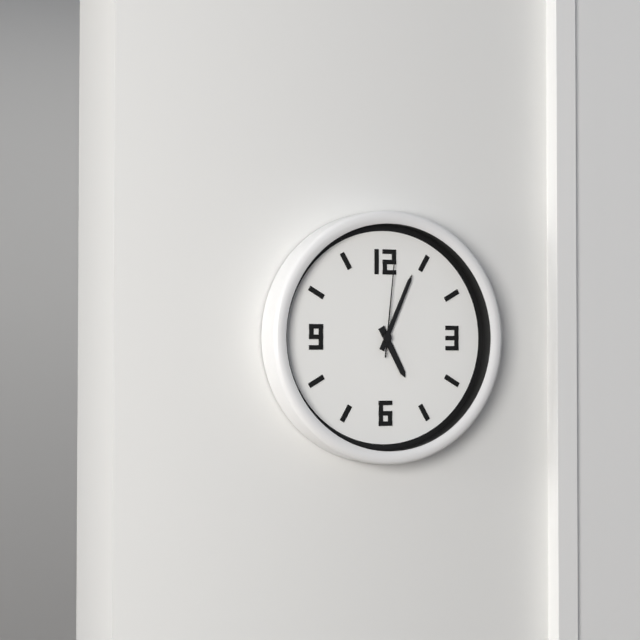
{"hour": 5, "minute": 4, "second": 1}
